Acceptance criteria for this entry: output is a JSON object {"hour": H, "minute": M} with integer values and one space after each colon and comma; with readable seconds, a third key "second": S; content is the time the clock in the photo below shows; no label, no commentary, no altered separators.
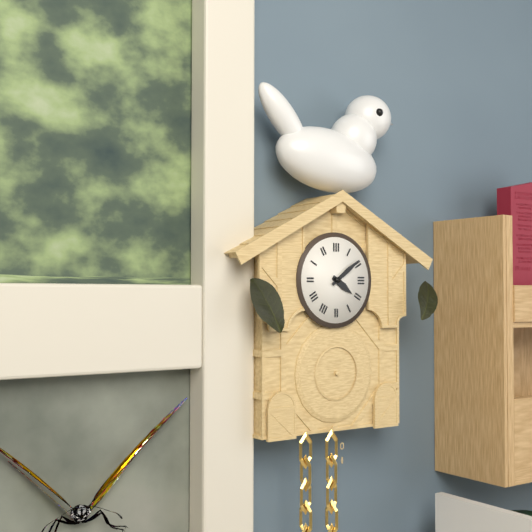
{"hour": 4, "minute": 9}
